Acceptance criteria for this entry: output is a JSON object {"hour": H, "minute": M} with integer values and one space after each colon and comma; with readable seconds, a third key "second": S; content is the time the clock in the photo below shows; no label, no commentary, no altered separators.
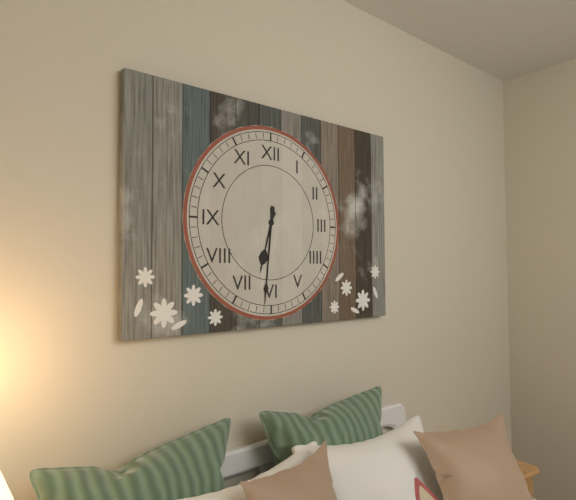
{"hour": 6, "minute": 31}
